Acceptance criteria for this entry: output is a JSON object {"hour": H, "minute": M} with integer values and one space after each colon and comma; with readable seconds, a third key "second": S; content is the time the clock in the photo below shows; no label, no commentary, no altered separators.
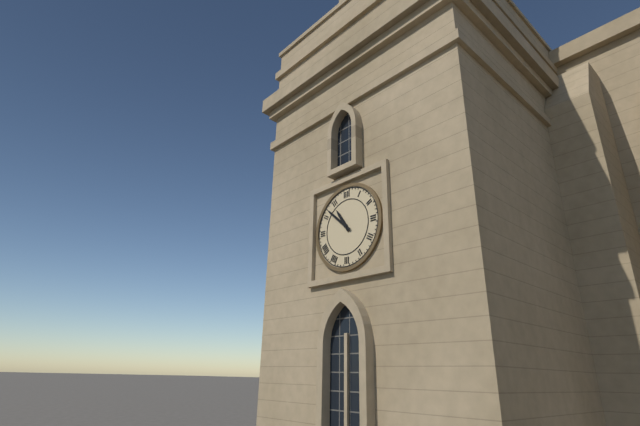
{"hour": 10, "minute": 52}
